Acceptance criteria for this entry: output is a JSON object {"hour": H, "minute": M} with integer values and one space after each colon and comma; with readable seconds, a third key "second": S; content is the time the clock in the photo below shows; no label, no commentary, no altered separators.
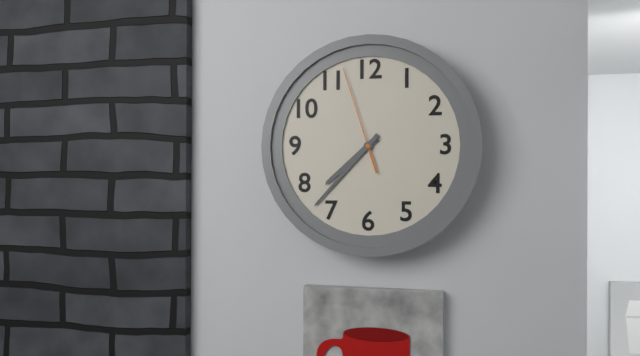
{"hour": 7, "minute": 37, "second": 57}
